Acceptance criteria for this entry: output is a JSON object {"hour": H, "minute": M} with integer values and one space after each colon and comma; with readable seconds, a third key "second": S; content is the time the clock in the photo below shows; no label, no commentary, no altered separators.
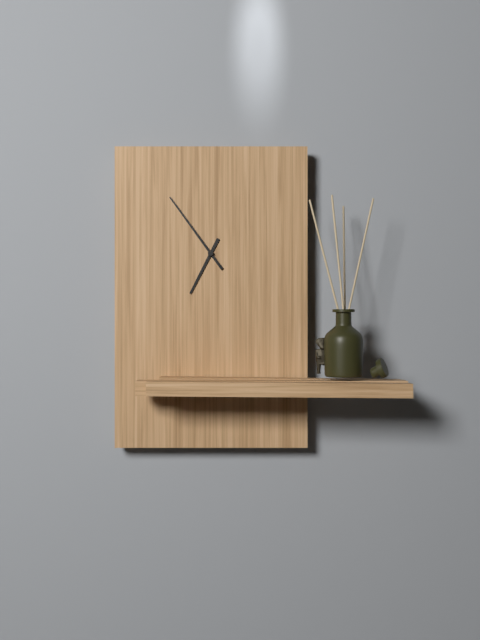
{"hour": 6, "minute": 54}
